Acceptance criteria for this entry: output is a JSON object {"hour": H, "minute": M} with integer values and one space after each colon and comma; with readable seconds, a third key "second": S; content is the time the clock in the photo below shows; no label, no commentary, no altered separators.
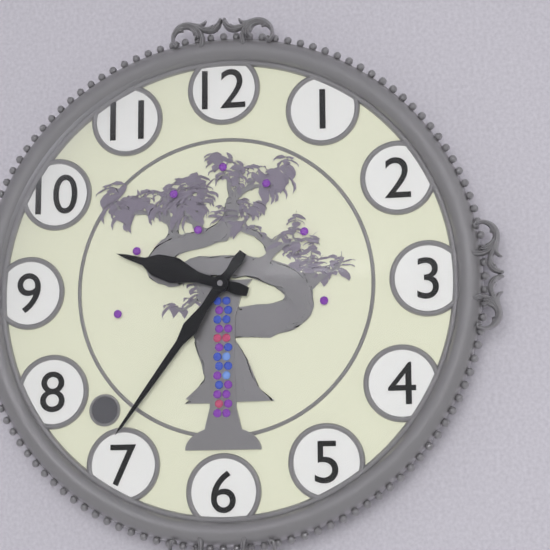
{"hour": 9, "minute": 36}
